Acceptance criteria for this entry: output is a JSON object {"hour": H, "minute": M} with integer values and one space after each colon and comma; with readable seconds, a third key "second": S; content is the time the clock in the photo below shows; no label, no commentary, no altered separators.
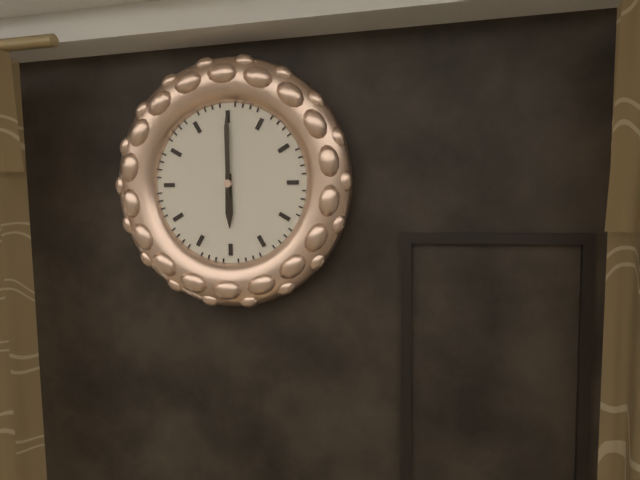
{"hour": 6, "minute": 0}
